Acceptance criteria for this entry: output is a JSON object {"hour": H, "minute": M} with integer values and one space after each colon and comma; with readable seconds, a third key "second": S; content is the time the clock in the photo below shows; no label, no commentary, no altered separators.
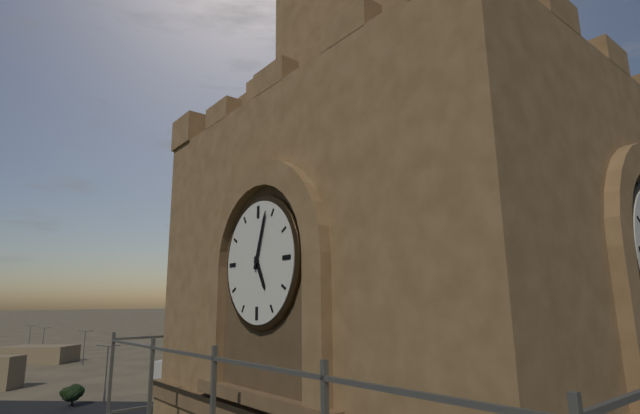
{"hour": 5, "minute": 3}
